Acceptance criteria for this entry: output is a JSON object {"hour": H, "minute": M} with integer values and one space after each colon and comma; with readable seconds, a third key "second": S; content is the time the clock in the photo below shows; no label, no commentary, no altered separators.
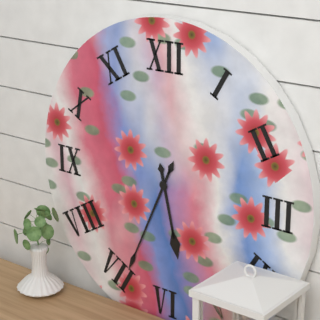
{"hour": 5, "minute": 34}
